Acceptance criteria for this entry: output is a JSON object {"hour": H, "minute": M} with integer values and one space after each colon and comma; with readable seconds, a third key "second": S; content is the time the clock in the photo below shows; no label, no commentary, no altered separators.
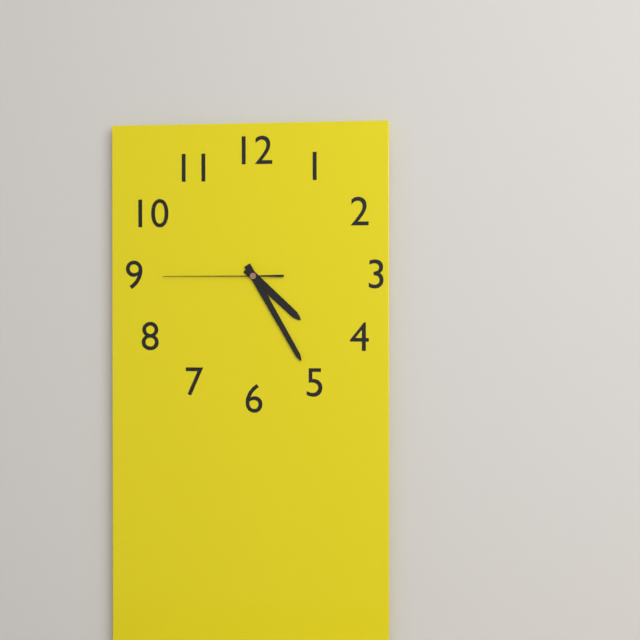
{"hour": 4, "minute": 25, "second": 45}
